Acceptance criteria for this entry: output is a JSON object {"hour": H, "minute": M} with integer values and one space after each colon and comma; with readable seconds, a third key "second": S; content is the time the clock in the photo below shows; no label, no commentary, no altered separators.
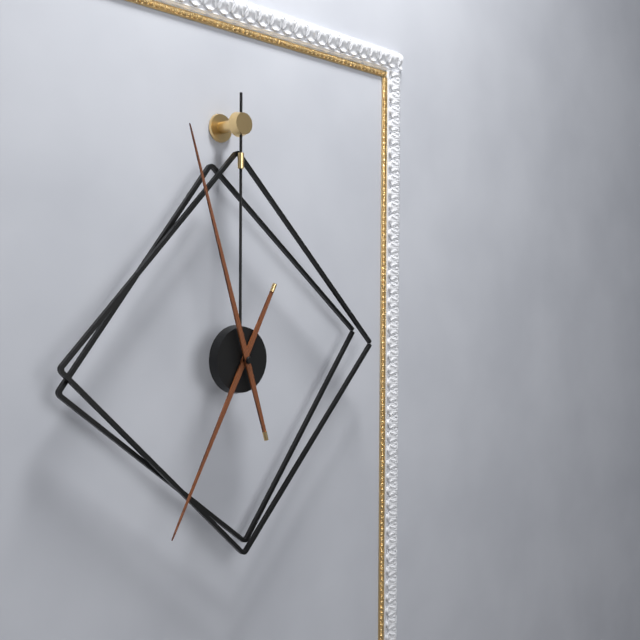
{"hour": 6, "minute": 57}
